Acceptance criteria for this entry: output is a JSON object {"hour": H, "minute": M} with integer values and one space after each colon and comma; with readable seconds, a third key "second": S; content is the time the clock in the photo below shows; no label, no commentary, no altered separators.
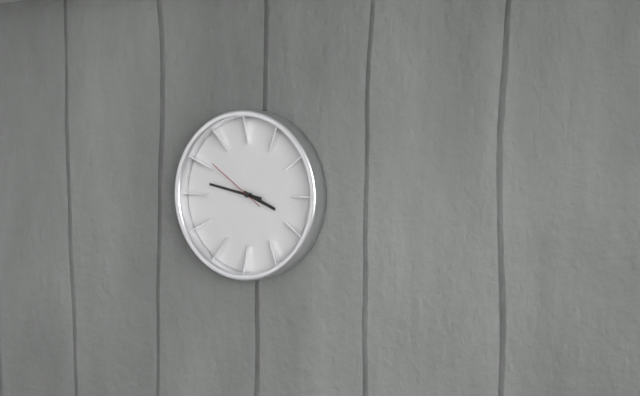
{"hour": 3, "minute": 47, "second": 51}
